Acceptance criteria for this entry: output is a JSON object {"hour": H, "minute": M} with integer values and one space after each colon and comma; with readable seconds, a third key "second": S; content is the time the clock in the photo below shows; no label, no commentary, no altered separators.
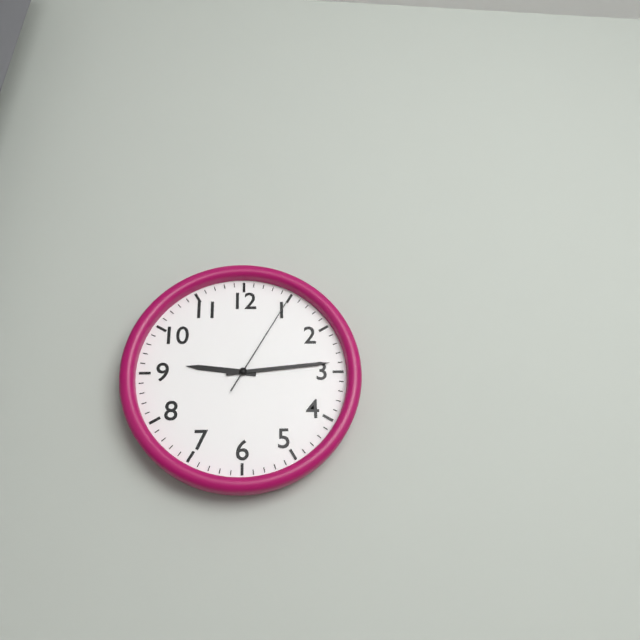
{"hour": 9, "minute": 14, "second": 5}
